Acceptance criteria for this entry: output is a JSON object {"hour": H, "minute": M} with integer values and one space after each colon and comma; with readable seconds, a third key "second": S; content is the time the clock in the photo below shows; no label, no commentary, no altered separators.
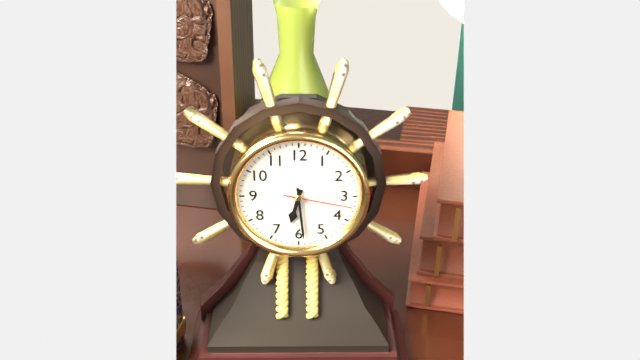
{"hour": 6, "minute": 29, "second": 17}
